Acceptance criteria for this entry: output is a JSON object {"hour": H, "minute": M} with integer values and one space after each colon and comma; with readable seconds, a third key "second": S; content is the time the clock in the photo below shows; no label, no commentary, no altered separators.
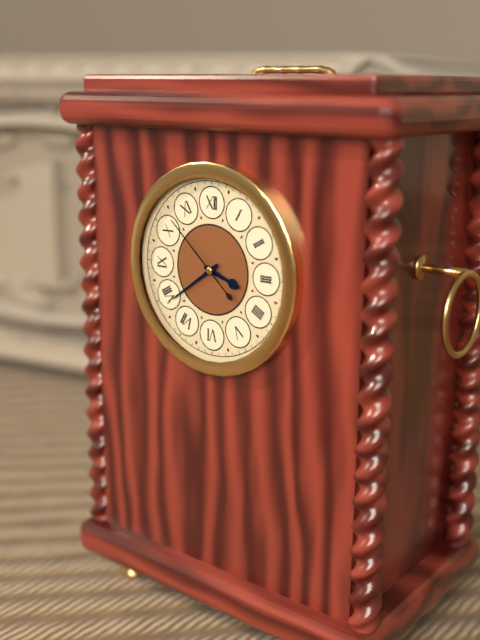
{"hour": 3, "minute": 39, "second": 52}
